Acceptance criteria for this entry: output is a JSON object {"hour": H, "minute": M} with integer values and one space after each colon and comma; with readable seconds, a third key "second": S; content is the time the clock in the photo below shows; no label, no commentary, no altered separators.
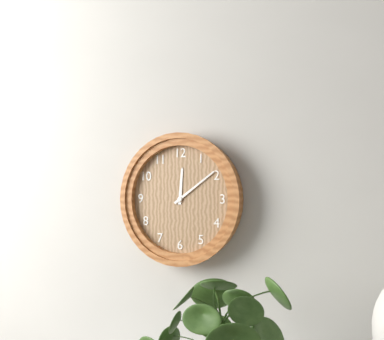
{"hour": 12, "minute": 9}
